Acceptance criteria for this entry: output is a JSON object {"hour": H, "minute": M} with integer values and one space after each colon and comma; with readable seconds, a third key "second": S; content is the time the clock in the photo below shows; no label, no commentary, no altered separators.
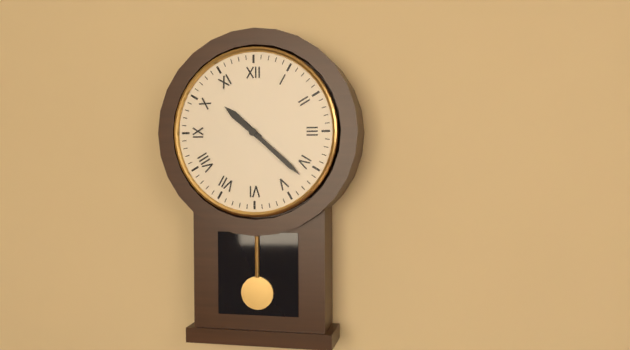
{"hour": 10, "minute": 22}
